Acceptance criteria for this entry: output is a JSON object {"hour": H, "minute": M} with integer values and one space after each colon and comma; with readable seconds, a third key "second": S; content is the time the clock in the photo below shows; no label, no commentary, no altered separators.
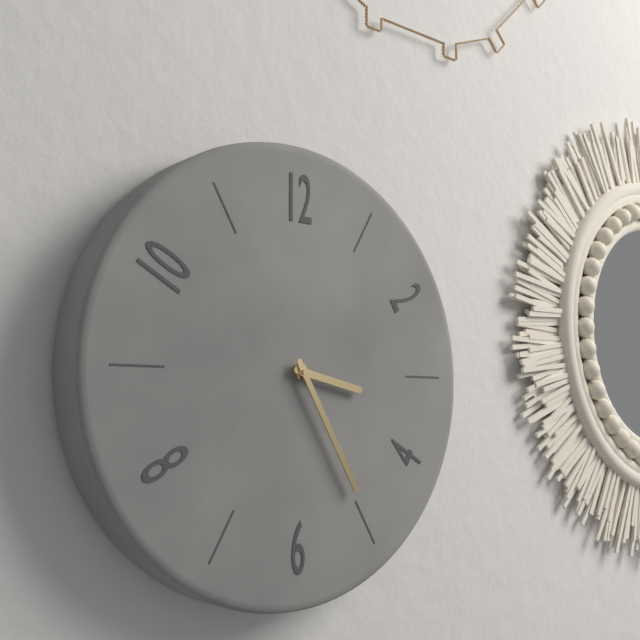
{"hour": 3, "minute": 25}
